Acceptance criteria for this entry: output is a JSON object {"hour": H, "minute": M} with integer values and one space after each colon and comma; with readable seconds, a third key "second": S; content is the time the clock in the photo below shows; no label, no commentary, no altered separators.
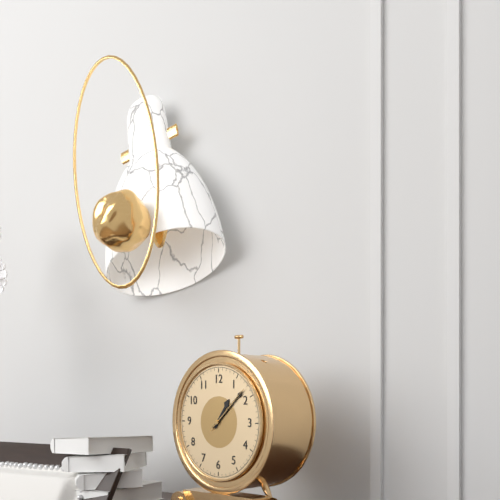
{"hour": 1, "minute": 8, "second": 8}
